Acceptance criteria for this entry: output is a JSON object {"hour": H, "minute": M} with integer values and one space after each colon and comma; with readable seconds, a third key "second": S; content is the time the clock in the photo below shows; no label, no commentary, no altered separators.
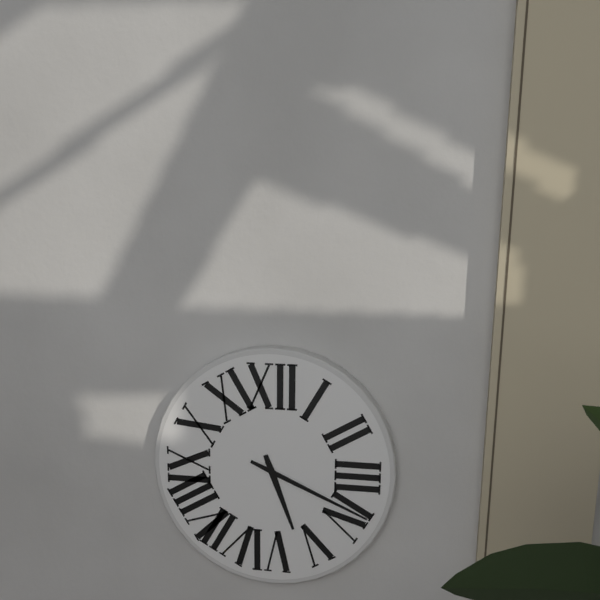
{"hour": 5, "minute": 19}
